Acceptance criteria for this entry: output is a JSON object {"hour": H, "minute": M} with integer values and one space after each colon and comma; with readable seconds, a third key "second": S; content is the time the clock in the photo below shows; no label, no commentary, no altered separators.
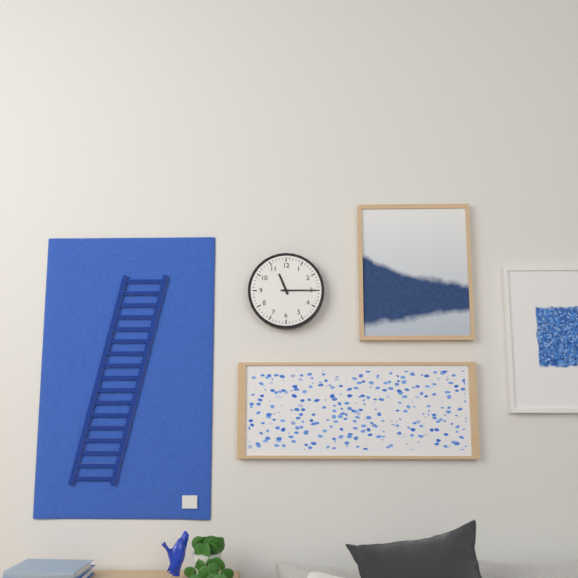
{"hour": 11, "minute": 15}
